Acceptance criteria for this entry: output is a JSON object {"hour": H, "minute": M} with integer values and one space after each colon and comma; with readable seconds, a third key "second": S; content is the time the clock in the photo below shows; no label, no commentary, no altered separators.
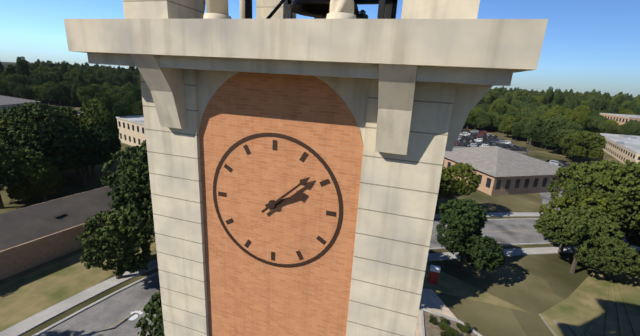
{"hour": 2, "minute": 8}
